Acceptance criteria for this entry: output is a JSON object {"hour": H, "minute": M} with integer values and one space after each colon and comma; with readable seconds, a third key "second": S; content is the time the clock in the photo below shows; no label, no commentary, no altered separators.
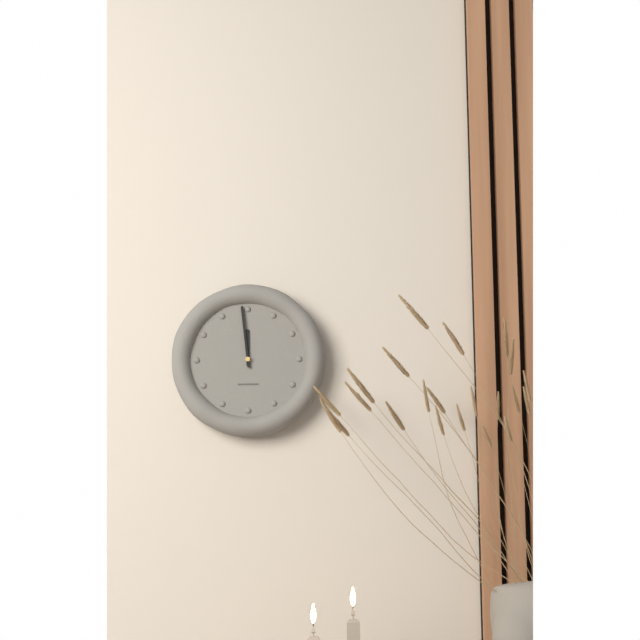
{"hour": 11, "minute": 59}
